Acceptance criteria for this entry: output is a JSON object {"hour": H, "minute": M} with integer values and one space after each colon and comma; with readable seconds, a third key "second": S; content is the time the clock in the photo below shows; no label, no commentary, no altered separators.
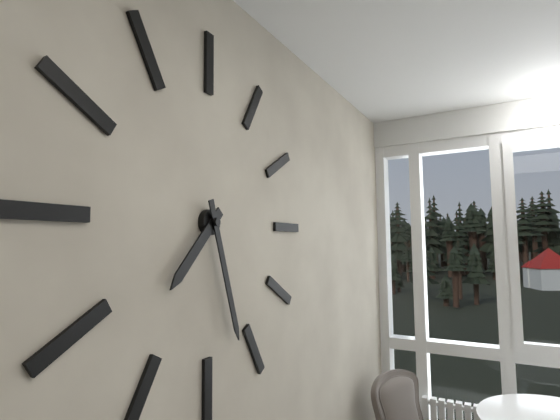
{"hour": 7, "minute": 27}
